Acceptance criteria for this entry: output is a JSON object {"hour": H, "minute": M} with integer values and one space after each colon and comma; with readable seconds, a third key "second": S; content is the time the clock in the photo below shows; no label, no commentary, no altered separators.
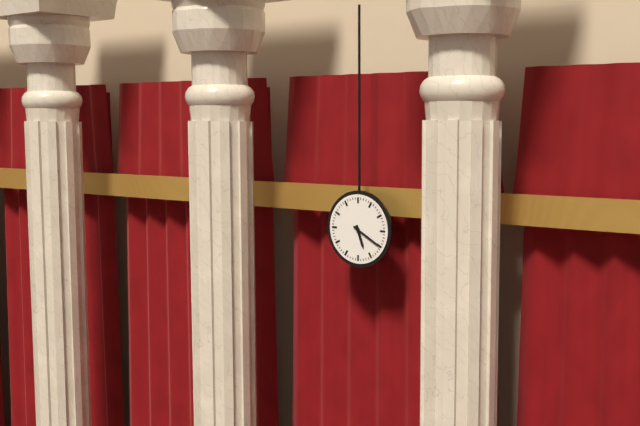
{"hour": 5, "minute": 20}
